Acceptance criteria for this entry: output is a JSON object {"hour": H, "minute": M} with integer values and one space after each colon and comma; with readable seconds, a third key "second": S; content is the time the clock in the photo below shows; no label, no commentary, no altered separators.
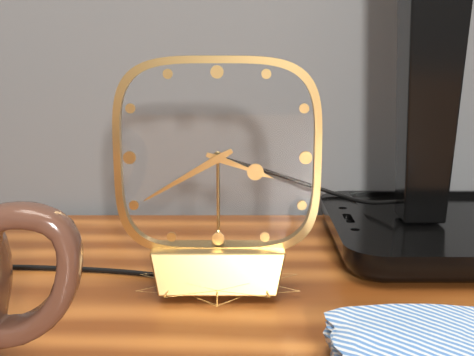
{"hour": 3, "minute": 40}
